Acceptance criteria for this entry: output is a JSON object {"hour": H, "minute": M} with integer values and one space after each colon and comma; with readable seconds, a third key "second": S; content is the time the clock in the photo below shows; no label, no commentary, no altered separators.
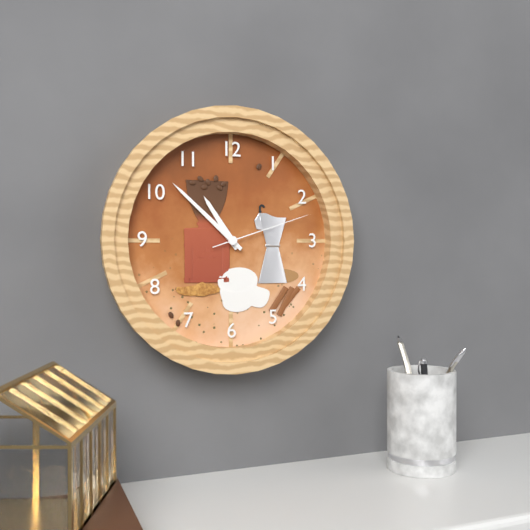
{"hour": 10, "minute": 52, "second": 12}
